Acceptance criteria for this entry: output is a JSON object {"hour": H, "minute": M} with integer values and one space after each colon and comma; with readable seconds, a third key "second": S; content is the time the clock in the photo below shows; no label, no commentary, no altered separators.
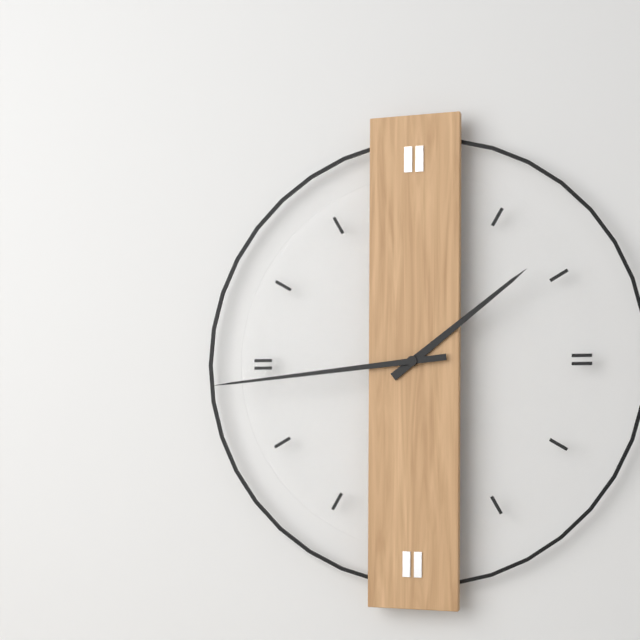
{"hour": 1, "minute": 44}
